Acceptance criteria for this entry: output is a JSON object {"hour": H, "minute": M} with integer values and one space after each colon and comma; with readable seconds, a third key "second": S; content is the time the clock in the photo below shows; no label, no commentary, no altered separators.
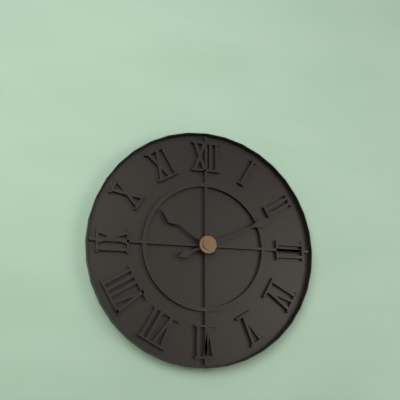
{"hour": 10, "minute": 11}
